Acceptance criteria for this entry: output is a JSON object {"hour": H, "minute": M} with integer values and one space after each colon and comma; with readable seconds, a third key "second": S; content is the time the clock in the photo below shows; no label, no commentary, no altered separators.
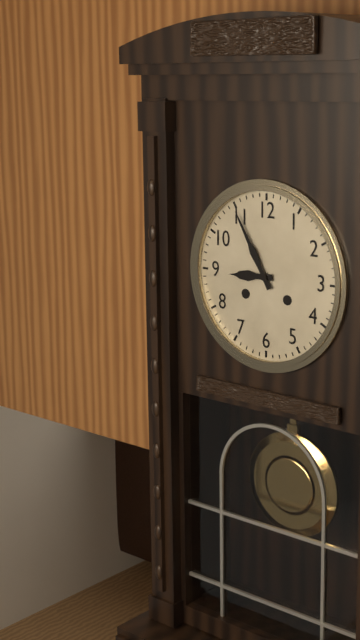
{"hour": 8, "minute": 55}
